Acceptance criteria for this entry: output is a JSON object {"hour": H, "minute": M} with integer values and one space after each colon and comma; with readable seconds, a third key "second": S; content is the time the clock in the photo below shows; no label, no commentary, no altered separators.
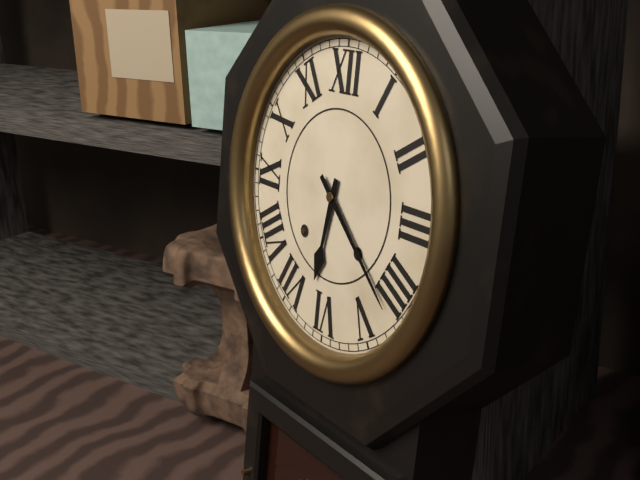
{"hour": 6, "minute": 22}
